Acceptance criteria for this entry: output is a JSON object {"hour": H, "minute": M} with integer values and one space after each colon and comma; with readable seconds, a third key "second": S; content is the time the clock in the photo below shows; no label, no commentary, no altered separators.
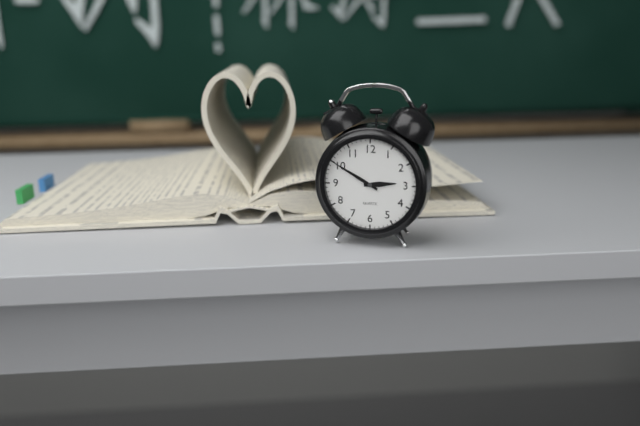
{"hour": 2, "minute": 50}
